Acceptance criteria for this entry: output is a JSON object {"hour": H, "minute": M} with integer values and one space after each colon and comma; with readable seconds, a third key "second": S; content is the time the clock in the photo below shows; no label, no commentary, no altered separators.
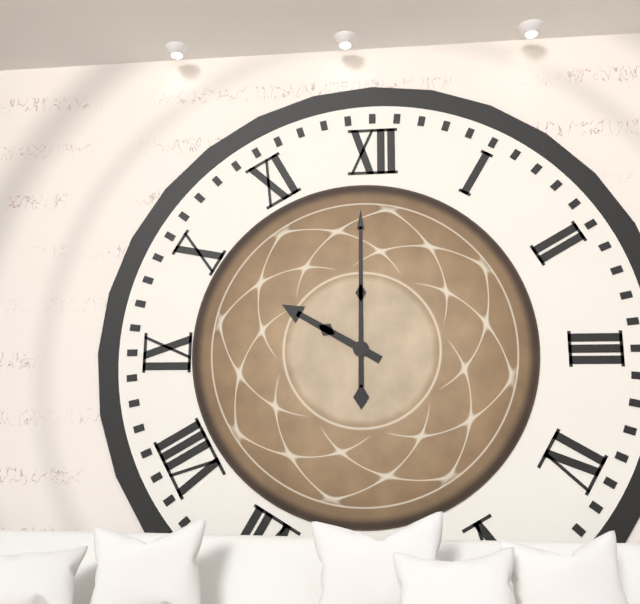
{"hour": 10, "minute": 0}
